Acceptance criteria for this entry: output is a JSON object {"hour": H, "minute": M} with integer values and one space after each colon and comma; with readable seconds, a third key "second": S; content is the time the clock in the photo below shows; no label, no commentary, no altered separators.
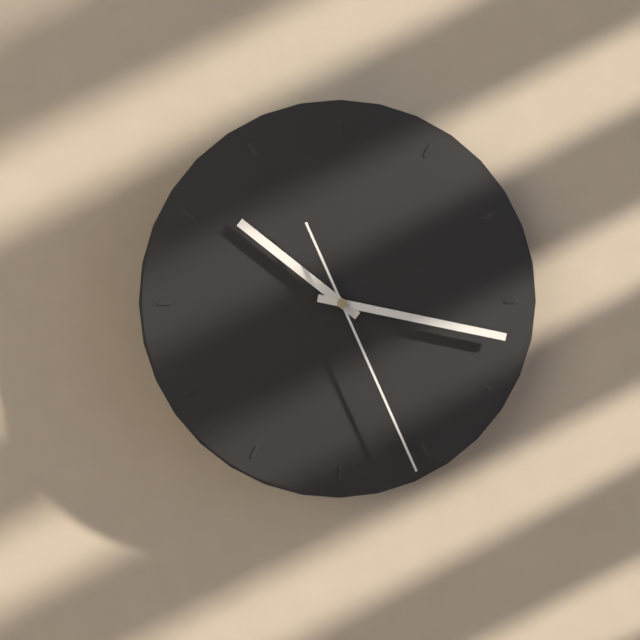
{"hour": 10, "minute": 17, "second": 26}
